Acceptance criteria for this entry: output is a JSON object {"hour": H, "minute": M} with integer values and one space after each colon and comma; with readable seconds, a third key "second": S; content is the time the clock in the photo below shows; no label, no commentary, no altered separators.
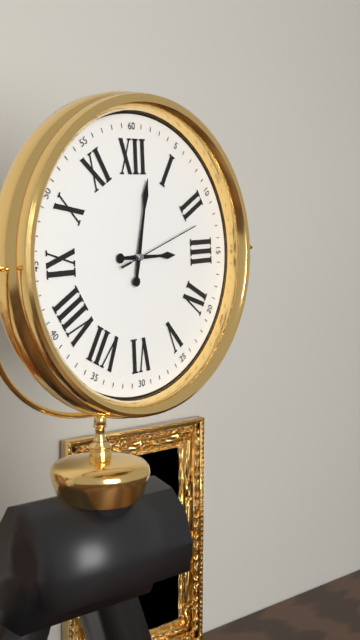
{"hour": 3, "minute": 2, "second": 12}
